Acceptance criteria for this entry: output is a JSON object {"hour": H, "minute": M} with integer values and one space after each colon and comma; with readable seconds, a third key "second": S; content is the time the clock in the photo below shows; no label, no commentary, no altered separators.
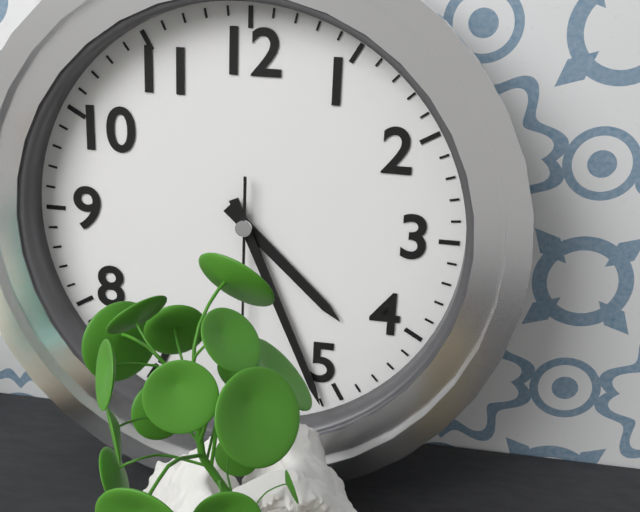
{"hour": 4, "minute": 26}
